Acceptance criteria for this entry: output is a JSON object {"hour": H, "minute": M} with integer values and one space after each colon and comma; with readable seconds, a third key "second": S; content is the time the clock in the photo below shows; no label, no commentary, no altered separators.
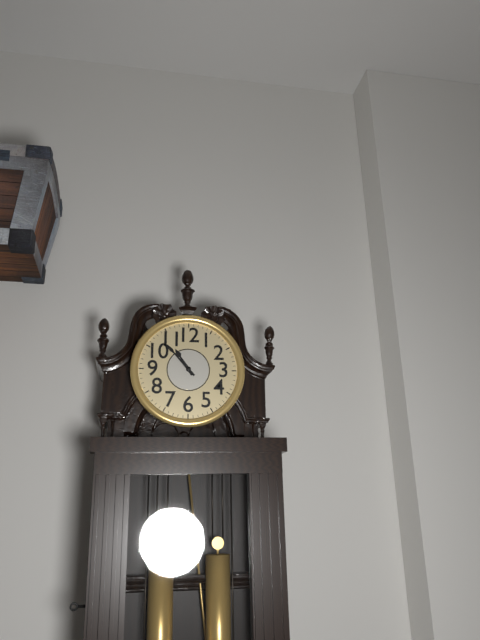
{"hour": 10, "minute": 53}
